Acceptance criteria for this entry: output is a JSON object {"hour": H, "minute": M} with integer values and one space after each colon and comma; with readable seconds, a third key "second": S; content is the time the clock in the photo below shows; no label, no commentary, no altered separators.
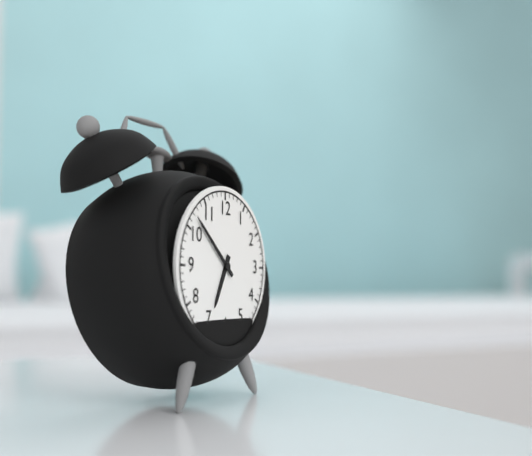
{"hour": 6, "minute": 52}
